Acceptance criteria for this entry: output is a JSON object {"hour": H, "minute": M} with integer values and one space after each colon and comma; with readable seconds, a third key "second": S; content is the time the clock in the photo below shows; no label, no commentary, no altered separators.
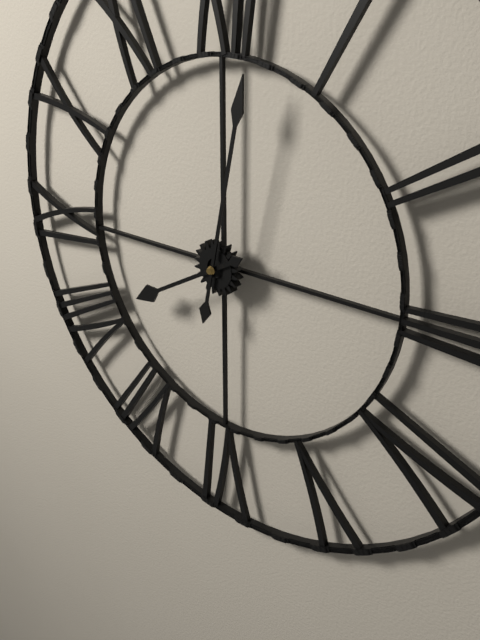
{"hour": 8, "minute": 2}
